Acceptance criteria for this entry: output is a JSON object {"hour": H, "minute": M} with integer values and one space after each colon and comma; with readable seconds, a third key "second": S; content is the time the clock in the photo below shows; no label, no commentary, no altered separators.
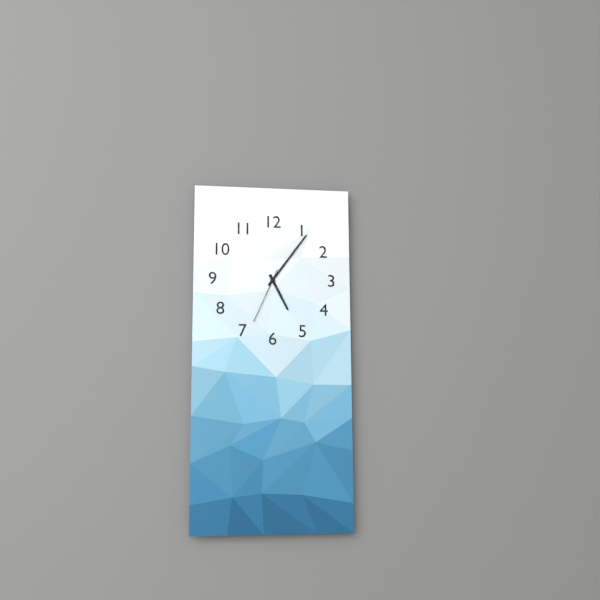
{"hour": 5, "minute": 6, "second": 34}
